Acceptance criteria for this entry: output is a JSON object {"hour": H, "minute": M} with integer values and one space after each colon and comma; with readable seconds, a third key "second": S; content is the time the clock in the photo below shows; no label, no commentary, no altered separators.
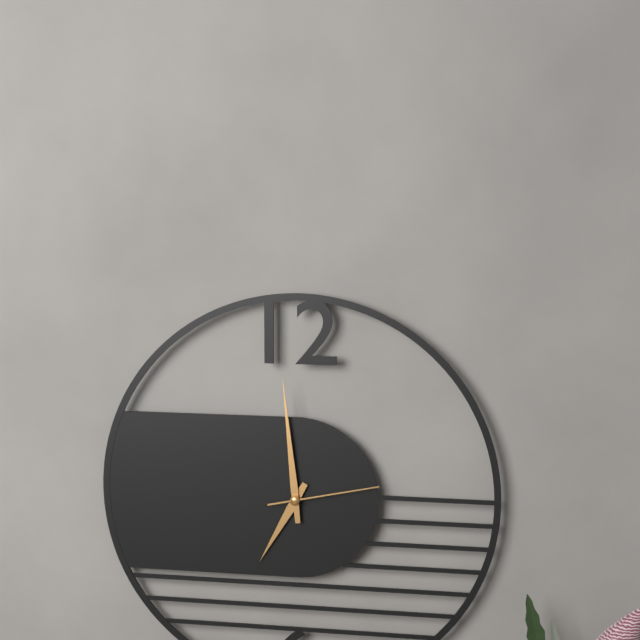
{"hour": 6, "minute": 59, "second": 13}
